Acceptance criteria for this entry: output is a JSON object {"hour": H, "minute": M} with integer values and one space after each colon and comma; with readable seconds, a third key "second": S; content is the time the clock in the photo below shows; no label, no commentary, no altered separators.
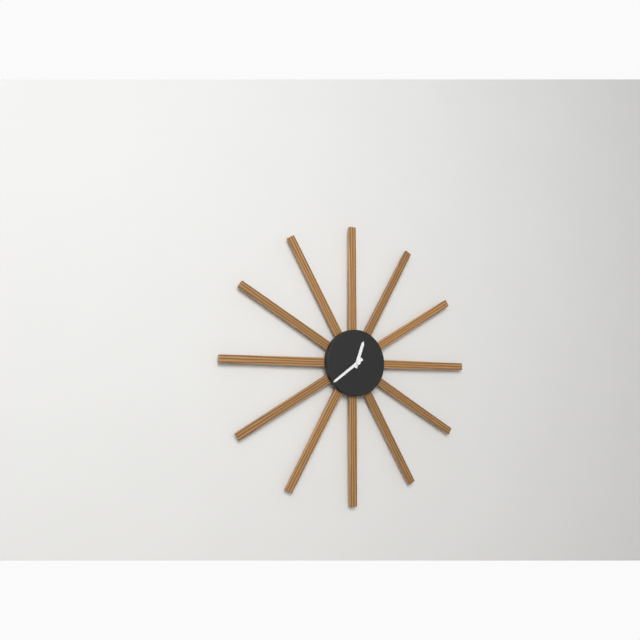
{"hour": 12, "minute": 39}
